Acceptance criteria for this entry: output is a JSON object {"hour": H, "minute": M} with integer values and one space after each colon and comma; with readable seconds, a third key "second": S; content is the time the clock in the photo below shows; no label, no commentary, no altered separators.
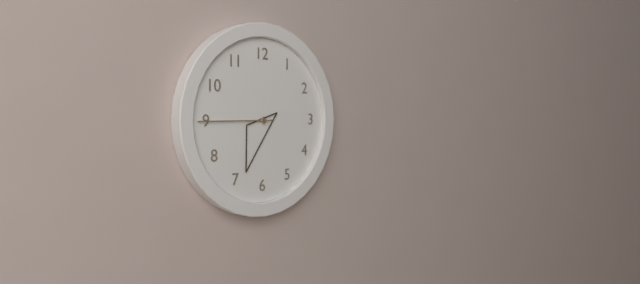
{"hour": 6, "minute": 45}
